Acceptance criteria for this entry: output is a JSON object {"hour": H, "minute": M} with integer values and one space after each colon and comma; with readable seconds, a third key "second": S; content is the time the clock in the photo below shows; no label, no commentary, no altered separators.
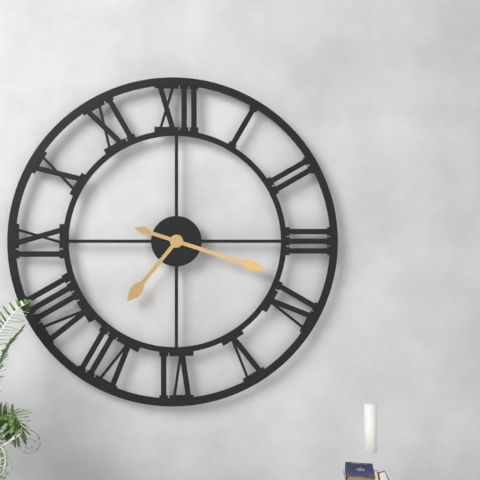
{"hour": 7, "minute": 18}
